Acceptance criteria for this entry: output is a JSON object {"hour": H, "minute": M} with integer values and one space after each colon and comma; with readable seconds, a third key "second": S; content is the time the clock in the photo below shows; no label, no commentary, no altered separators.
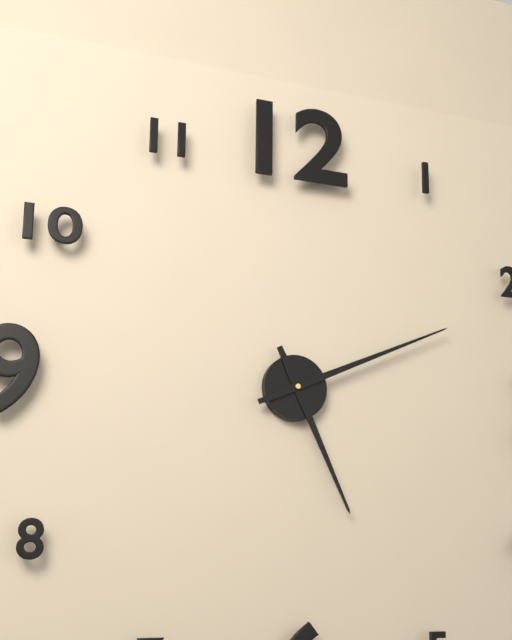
{"hour": 5, "minute": 11}
